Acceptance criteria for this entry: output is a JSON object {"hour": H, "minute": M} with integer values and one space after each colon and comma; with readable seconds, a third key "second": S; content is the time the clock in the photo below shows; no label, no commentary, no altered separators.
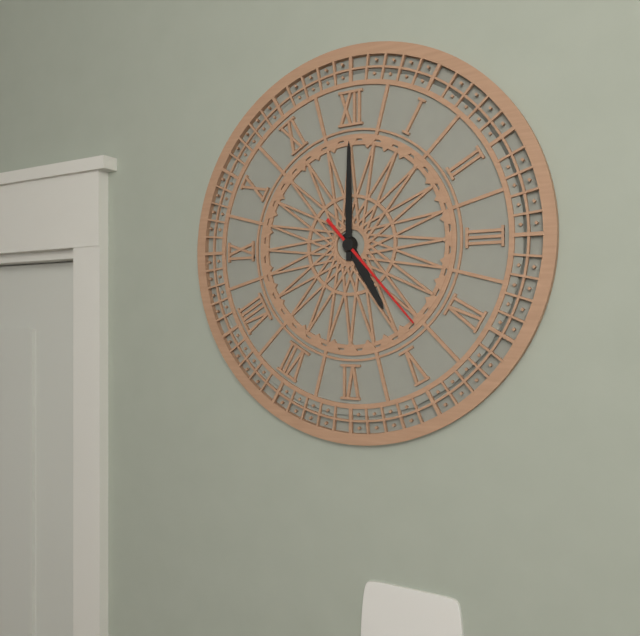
{"hour": 5, "minute": 0, "second": 23}
